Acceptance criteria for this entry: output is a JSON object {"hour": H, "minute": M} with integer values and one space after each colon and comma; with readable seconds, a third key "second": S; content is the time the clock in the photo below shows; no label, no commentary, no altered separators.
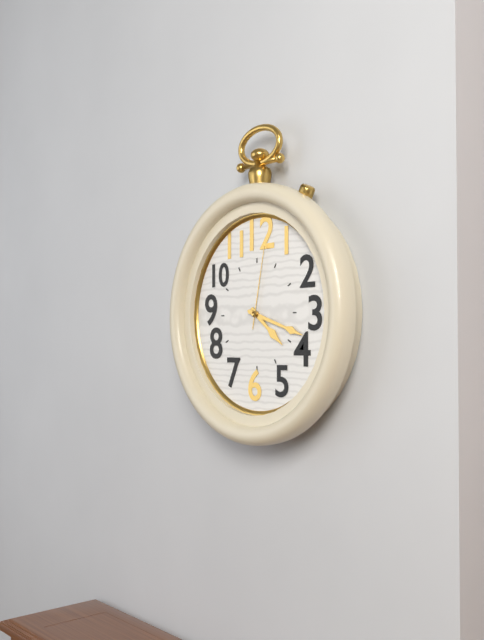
{"hour": 4, "minute": 18, "second": 2}
